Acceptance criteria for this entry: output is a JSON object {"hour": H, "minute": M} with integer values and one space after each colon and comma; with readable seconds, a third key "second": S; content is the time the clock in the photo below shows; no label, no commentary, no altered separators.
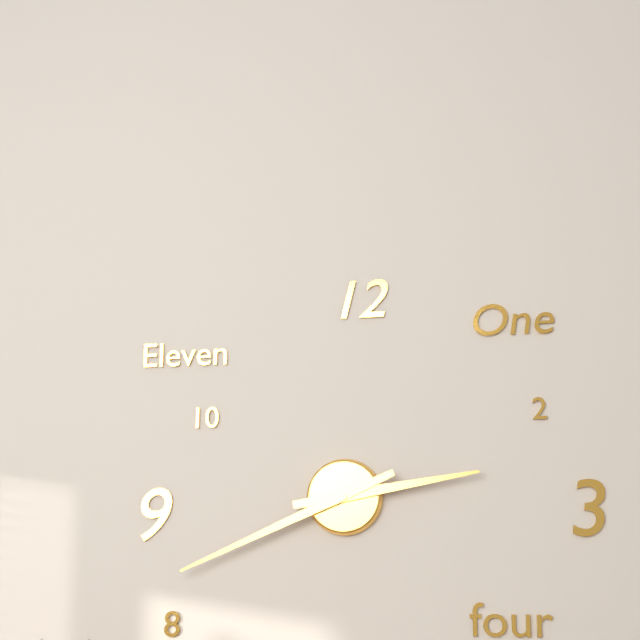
{"hour": 2, "minute": 41}
